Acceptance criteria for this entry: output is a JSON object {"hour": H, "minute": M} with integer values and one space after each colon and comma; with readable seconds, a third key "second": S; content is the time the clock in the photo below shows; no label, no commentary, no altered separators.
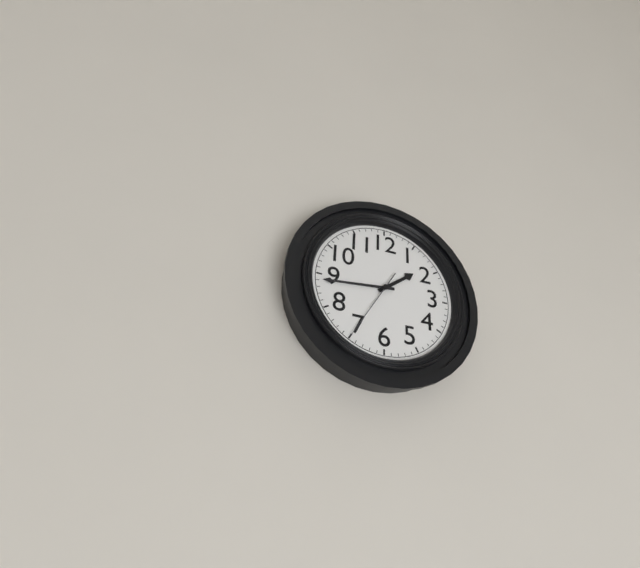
{"hour": 1, "minute": 44, "second": 35}
